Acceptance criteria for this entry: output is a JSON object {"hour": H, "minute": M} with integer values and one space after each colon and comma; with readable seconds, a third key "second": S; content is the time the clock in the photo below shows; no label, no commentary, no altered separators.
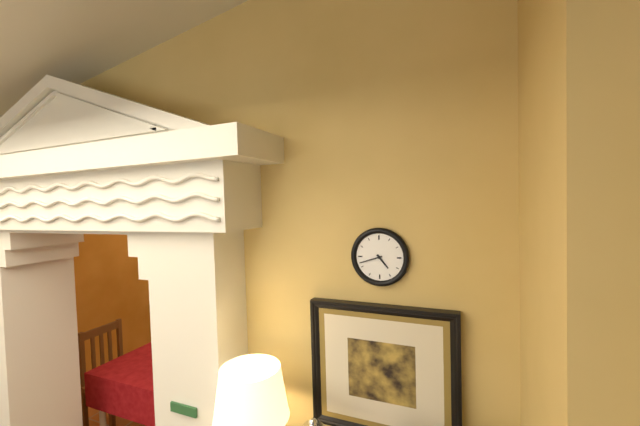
{"hour": 4, "minute": 42}
